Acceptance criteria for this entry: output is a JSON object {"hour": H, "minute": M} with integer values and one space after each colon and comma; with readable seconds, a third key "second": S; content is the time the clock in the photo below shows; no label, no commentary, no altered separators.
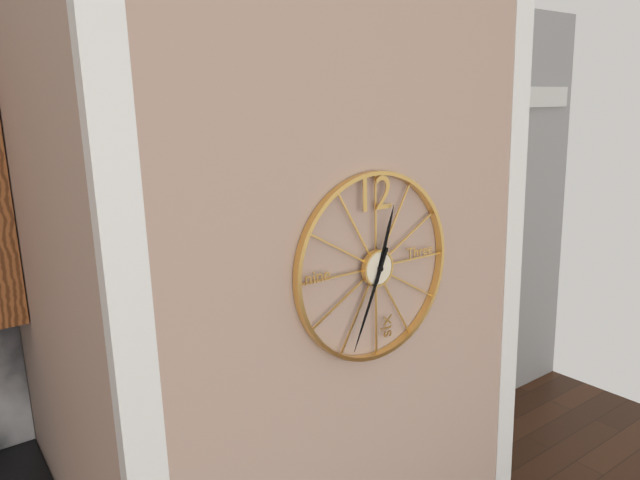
{"hour": 12, "minute": 34}
